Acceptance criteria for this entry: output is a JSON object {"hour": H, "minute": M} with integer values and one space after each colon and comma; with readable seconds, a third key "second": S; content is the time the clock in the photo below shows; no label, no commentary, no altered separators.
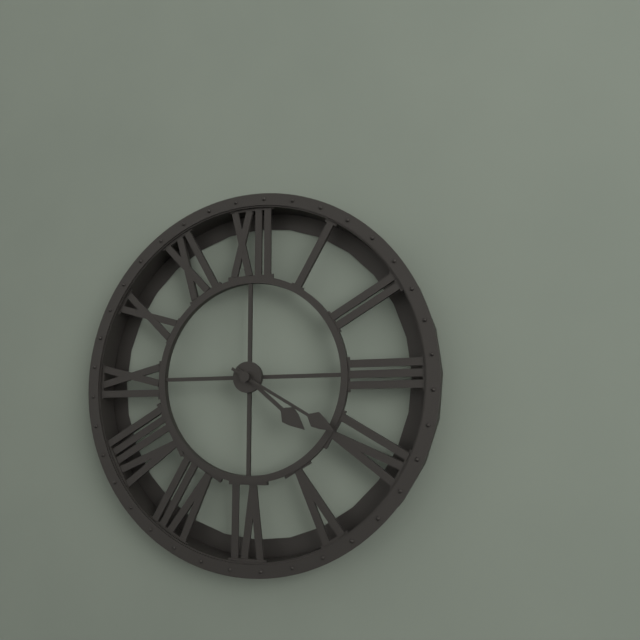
{"hour": 4, "minute": 20}
